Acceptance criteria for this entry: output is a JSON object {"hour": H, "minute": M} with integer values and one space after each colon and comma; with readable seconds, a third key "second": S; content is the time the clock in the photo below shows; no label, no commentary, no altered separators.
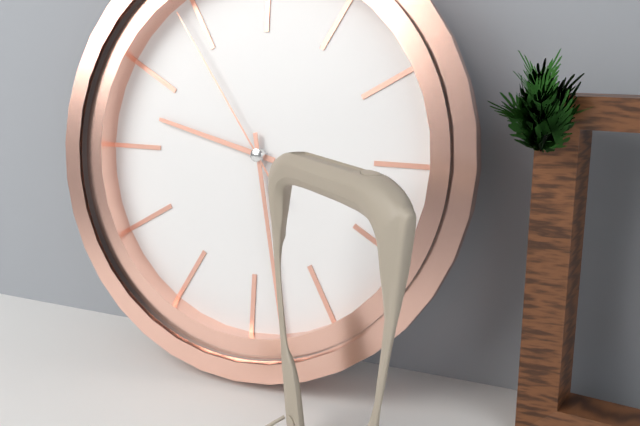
{"hour": 9, "minute": 28, "second": 54}
